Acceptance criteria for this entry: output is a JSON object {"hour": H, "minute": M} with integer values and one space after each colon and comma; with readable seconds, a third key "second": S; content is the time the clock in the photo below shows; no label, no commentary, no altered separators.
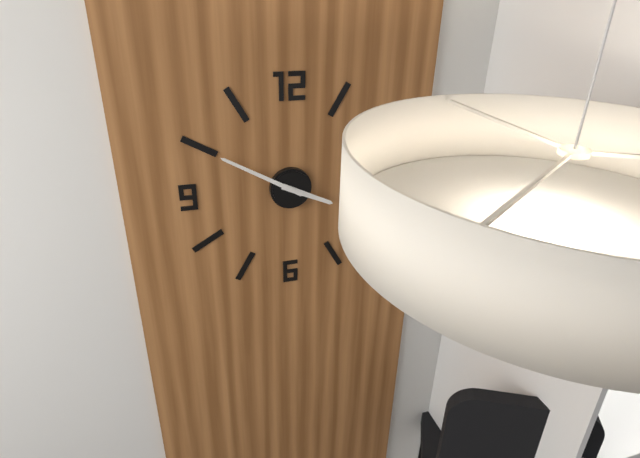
{"hour": 3, "minute": 50}
